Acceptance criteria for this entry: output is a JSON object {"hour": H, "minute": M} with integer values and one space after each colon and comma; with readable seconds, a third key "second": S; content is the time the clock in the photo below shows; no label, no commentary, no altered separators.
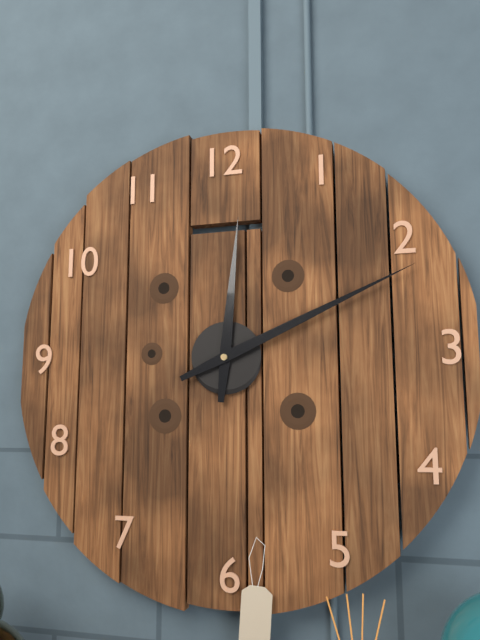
{"hour": 12, "minute": 11}
